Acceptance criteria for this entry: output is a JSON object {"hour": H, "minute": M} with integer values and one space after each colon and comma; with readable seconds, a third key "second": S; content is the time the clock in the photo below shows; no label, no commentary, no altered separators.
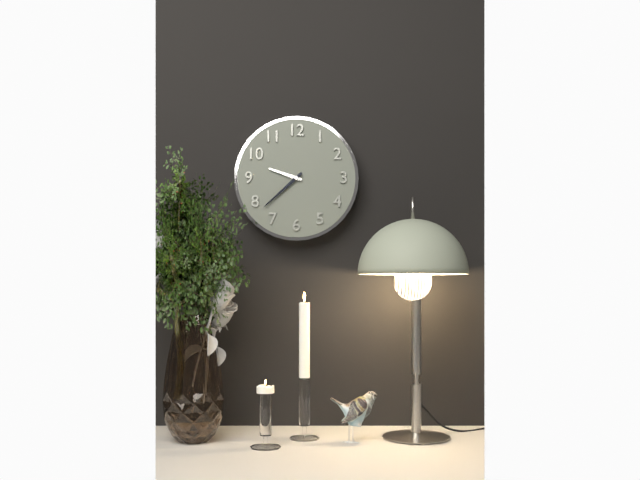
{"hour": 9, "minute": 38}
